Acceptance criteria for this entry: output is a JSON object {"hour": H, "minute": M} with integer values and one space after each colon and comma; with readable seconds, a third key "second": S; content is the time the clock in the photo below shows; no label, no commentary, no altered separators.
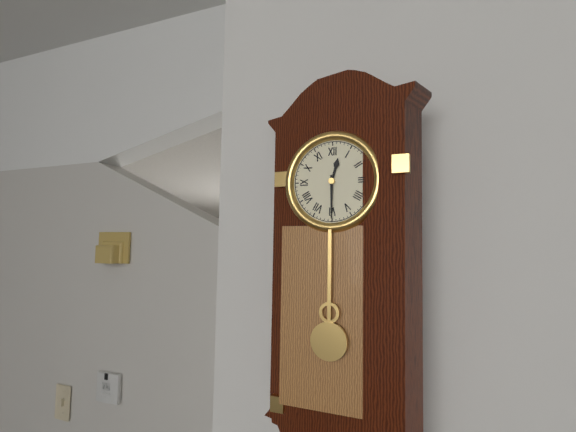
{"hour": 12, "minute": 30}
